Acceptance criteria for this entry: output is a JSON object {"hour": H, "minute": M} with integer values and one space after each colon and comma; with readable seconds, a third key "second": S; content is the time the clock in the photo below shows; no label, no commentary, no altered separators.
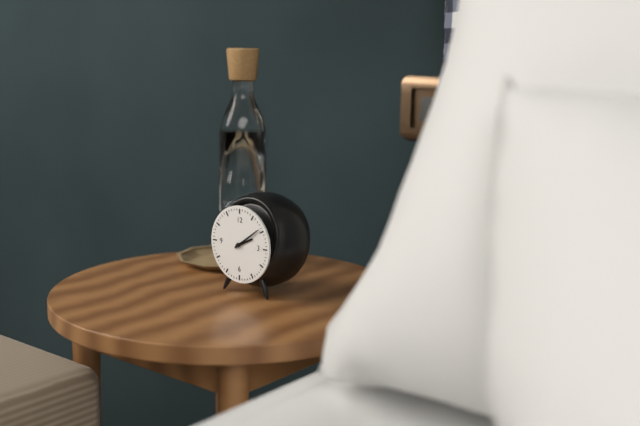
{"hour": 2, "minute": 9}
